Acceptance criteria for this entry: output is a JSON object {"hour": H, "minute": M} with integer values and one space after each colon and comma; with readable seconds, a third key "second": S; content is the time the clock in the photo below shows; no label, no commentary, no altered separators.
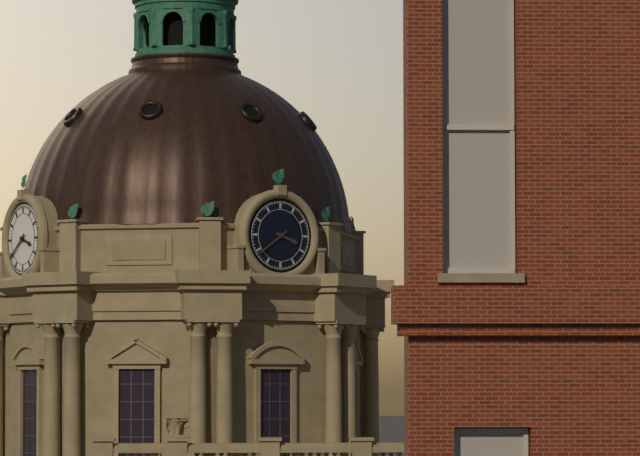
{"hour": 3, "minute": 39}
